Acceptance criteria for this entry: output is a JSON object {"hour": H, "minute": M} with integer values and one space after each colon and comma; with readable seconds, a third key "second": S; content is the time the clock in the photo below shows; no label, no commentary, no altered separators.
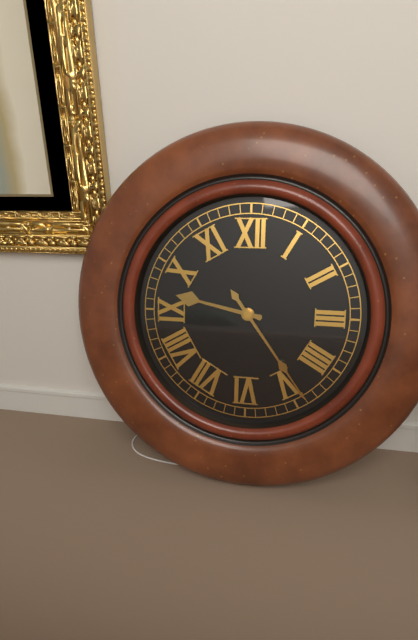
{"hour": 9, "minute": 24}
